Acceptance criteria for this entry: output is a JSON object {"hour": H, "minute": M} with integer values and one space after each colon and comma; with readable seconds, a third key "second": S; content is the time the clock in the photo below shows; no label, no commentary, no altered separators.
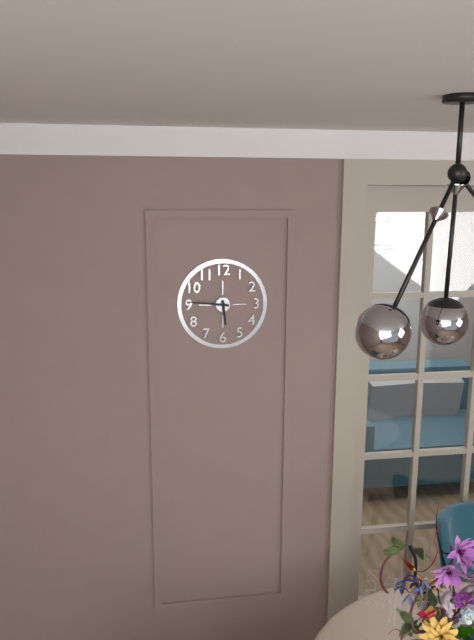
{"hour": 5, "minute": 46}
